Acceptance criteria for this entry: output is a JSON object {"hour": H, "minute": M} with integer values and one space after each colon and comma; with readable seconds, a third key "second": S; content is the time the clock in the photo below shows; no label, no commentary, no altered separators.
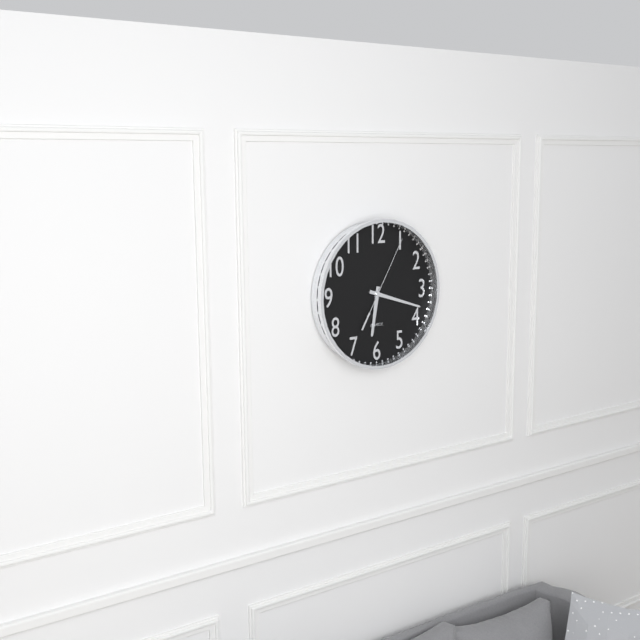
{"hour": 6, "minute": 18, "second": 5}
